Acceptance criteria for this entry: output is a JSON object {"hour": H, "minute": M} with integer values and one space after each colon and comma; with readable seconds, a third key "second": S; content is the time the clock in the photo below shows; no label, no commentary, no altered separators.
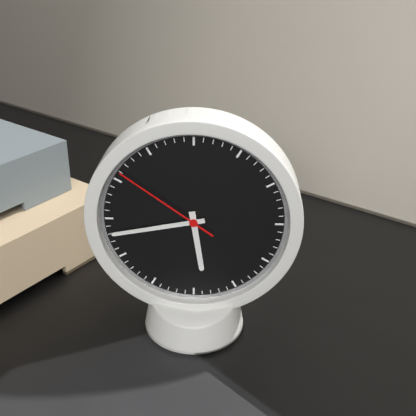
{"hour": 5, "minute": 43, "second": 51}
